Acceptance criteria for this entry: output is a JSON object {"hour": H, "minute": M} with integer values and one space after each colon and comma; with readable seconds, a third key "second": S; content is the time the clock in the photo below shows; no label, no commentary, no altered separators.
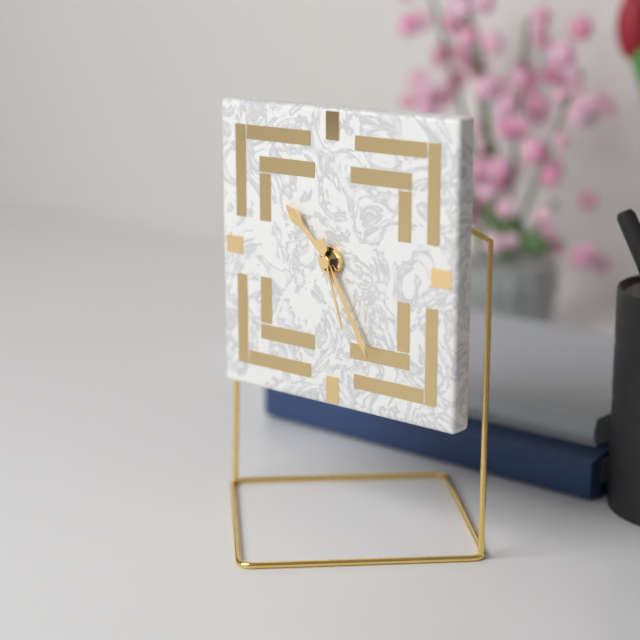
{"hour": 10, "minute": 25, "second": 27}
